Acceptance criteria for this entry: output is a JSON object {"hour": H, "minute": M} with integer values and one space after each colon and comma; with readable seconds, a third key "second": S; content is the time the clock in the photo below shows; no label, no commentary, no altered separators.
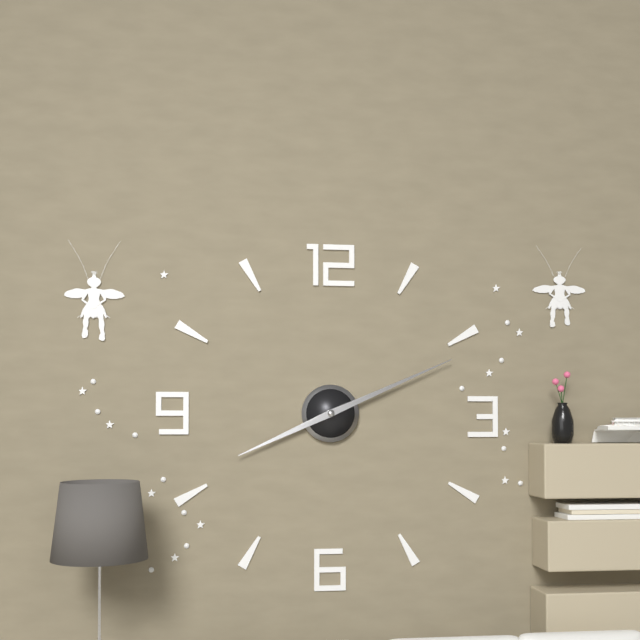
{"hour": 8, "minute": 11}
